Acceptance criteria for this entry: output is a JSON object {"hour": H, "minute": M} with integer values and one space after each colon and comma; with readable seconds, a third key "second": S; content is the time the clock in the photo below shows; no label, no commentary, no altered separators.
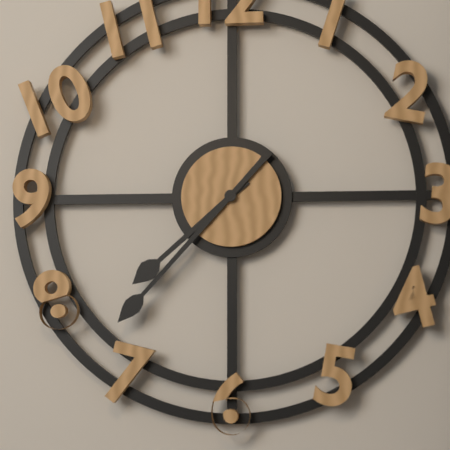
{"hour": 7, "minute": 37}
